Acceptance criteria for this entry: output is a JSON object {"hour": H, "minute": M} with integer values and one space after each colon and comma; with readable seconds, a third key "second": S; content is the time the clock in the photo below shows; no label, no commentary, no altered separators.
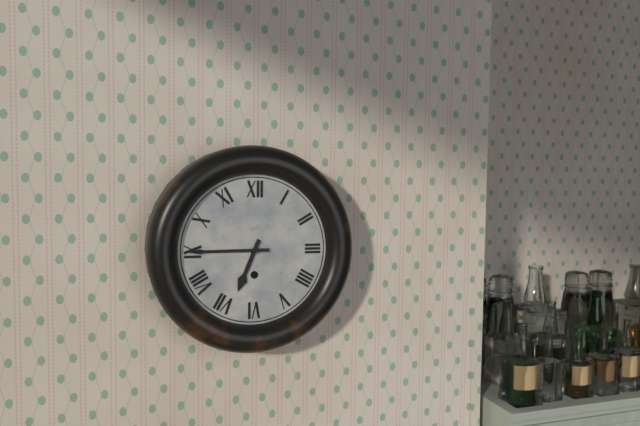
{"hour": 6, "minute": 45}
